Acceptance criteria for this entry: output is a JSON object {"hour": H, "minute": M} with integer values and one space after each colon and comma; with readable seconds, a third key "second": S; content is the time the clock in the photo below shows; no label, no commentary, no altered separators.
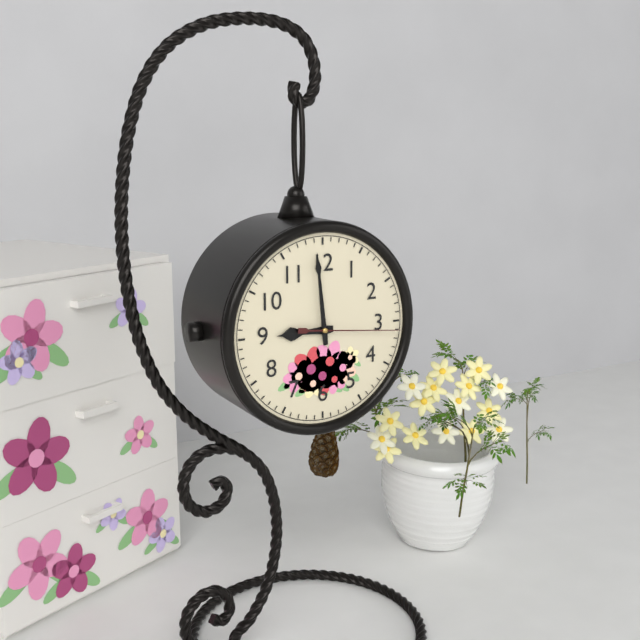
{"hour": 8, "minute": 59, "second": 16}
